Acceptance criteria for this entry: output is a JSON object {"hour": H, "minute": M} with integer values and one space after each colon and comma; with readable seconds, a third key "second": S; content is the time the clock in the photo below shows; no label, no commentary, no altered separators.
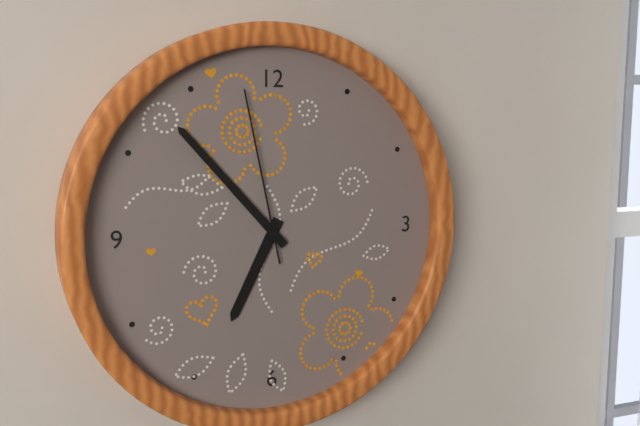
{"hour": 6, "minute": 53, "second": 58}
